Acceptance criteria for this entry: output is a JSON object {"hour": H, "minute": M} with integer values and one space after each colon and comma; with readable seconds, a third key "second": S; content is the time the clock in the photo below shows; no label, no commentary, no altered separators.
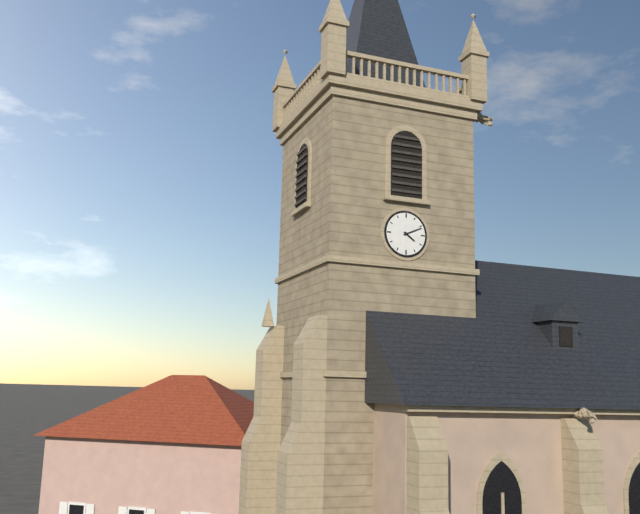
{"hour": 4, "minute": 11}
